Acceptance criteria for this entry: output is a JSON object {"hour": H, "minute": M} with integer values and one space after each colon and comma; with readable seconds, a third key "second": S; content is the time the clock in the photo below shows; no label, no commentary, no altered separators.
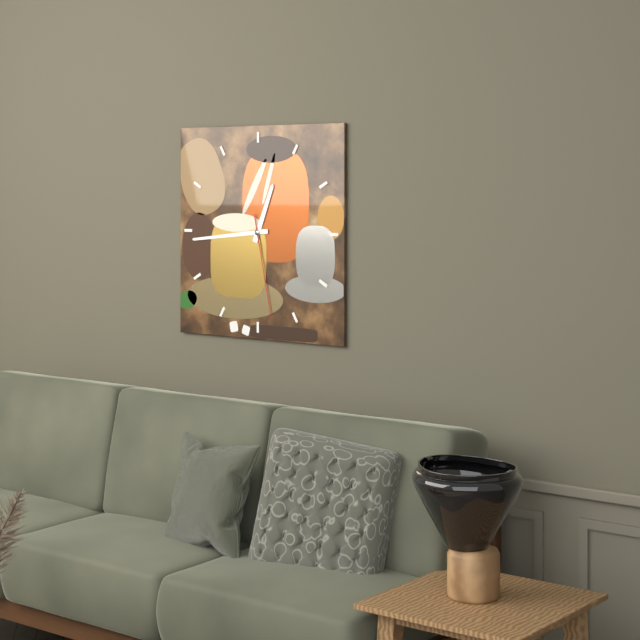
{"hour": 12, "minute": 44, "second": 28}
